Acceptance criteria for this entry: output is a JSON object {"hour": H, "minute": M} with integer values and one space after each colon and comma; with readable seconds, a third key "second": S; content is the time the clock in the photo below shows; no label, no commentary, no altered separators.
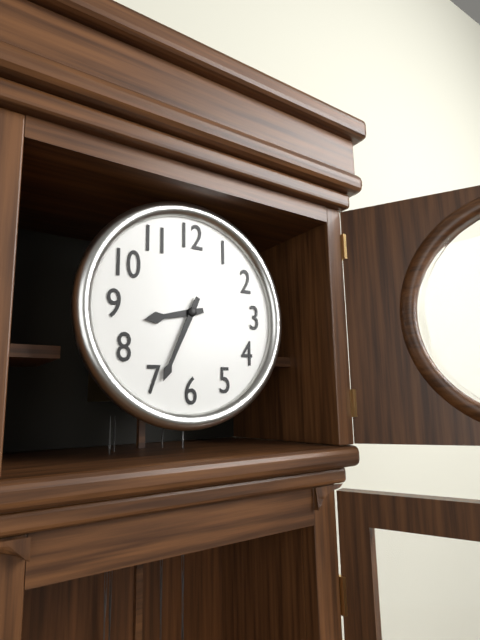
{"hour": 8, "minute": 34}
